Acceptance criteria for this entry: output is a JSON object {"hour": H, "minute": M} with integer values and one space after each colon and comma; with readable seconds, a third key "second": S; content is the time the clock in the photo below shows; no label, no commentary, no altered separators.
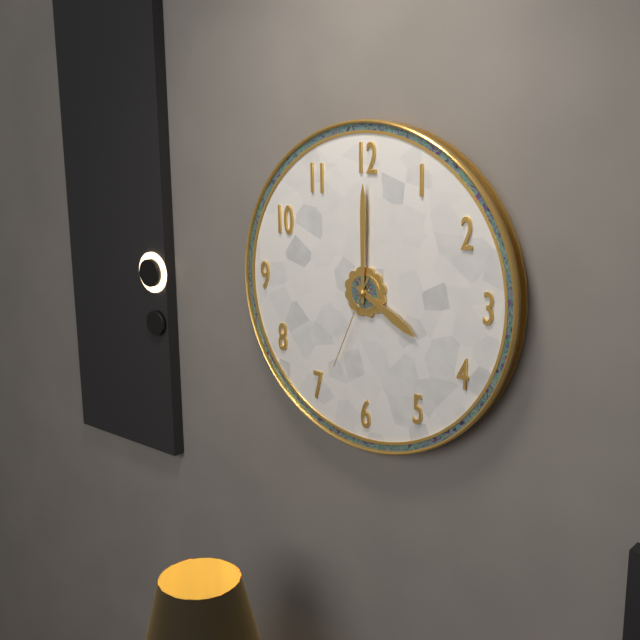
{"hour": 4, "minute": 0, "second": 34}
